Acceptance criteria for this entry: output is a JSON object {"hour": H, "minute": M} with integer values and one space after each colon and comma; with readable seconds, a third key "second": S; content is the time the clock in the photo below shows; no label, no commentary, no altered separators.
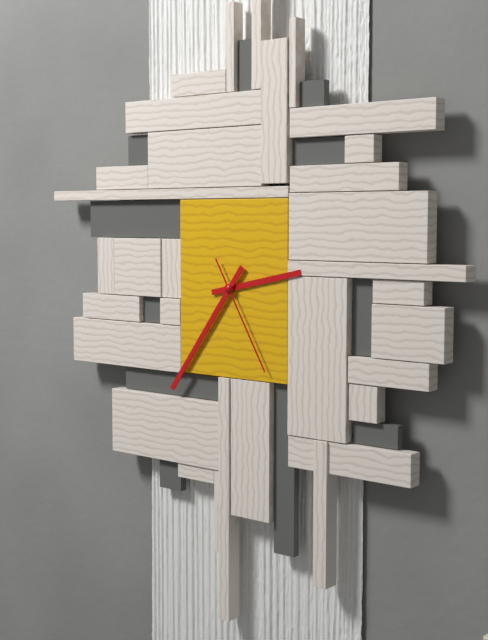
{"hour": 2, "minute": 36, "second": 25}
